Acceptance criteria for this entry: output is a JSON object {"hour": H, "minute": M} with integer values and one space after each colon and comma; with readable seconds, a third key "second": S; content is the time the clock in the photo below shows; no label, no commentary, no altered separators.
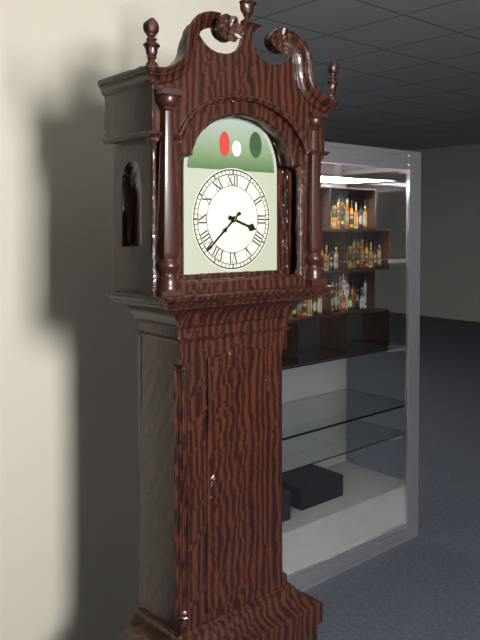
{"hour": 3, "minute": 38}
